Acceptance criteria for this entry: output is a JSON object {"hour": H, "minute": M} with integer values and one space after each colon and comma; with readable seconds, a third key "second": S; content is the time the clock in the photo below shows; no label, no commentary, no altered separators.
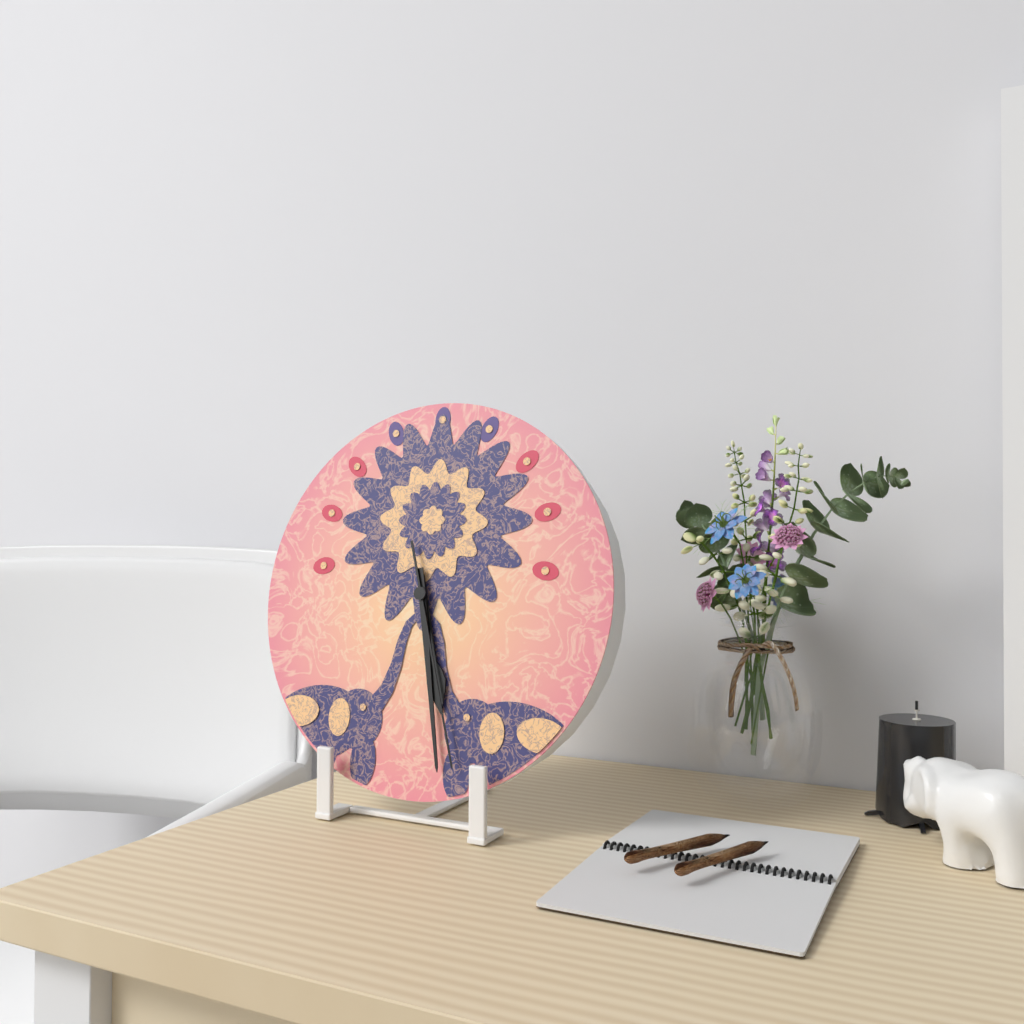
{"hour": 5, "minute": 28, "second": 27}
